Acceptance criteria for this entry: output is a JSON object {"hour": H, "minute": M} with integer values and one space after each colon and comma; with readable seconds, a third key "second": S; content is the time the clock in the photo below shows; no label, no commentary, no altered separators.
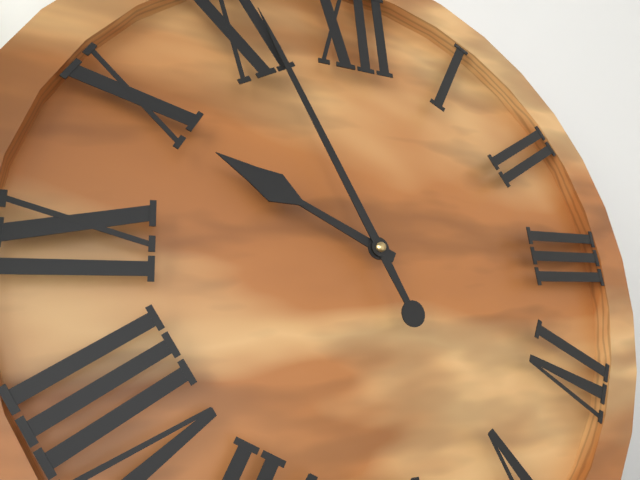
{"hour": 9, "minute": 56}
